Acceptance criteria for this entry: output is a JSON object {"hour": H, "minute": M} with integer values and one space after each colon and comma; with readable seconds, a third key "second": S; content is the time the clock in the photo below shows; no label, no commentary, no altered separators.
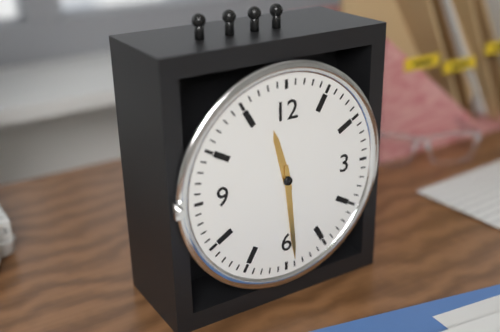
{"hour": 11, "minute": 29}
